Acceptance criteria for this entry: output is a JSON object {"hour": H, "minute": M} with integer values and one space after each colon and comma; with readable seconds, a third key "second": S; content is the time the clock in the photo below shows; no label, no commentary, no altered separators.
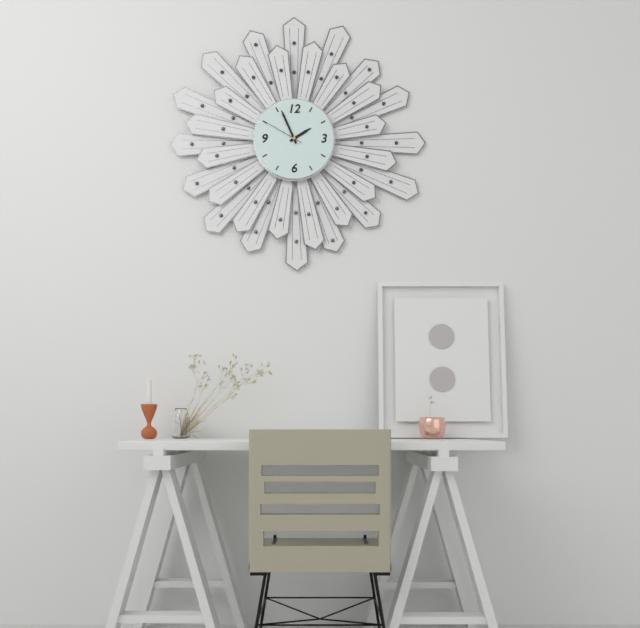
{"hour": 1, "minute": 56}
